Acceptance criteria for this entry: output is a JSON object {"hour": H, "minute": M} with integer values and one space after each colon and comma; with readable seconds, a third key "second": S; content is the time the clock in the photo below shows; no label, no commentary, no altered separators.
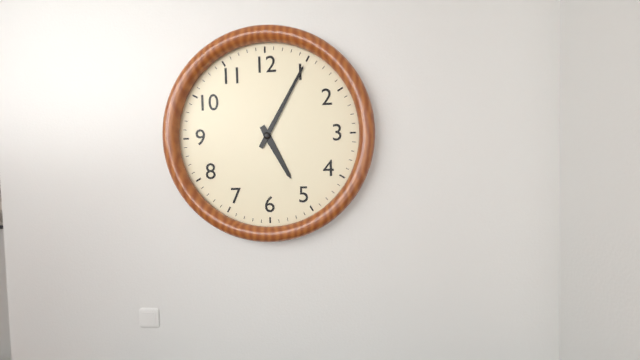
{"hour": 5, "minute": 5}
